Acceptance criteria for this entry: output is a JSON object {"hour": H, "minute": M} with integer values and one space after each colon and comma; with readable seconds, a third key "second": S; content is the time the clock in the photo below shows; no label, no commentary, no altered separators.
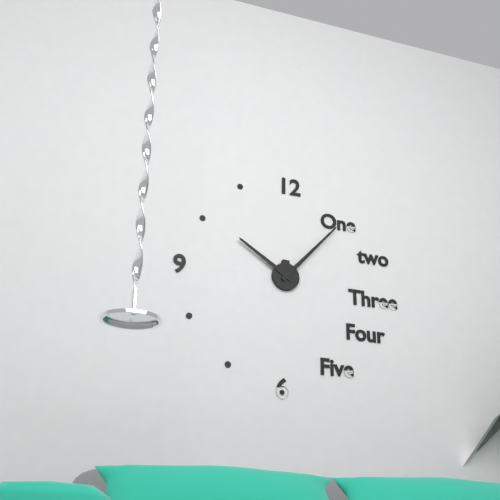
{"hour": 10, "minute": 7}
